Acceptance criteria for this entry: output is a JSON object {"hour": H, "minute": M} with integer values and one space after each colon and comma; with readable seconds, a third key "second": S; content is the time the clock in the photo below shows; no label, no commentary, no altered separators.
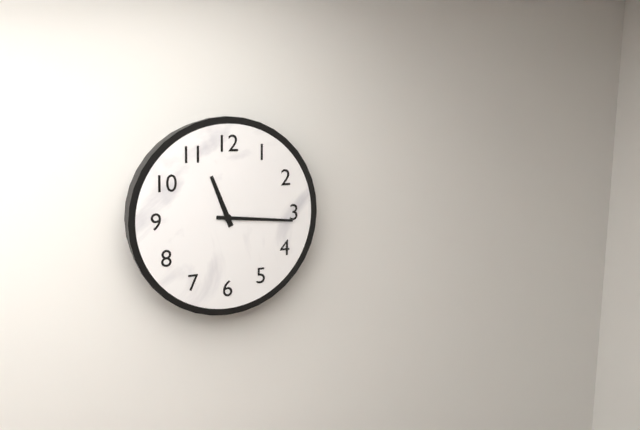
{"hour": 11, "minute": 16}
